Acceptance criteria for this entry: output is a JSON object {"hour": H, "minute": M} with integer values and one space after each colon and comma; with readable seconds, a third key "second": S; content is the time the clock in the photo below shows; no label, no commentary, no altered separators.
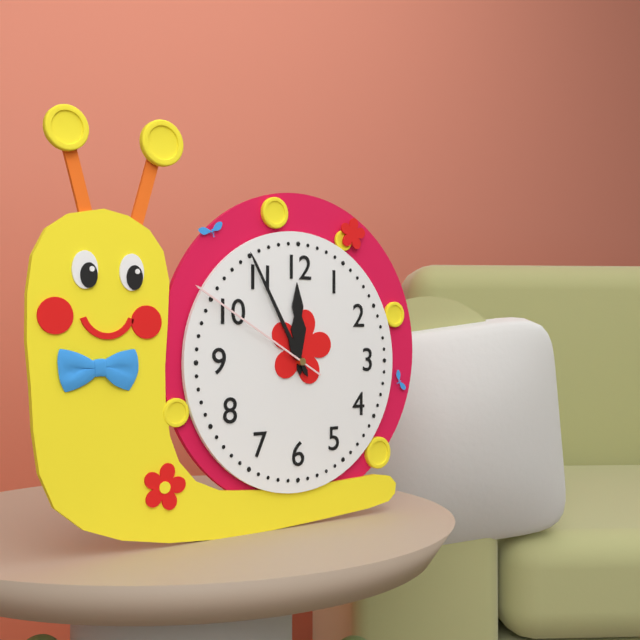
{"hour": 11, "minute": 55, "second": 50}
